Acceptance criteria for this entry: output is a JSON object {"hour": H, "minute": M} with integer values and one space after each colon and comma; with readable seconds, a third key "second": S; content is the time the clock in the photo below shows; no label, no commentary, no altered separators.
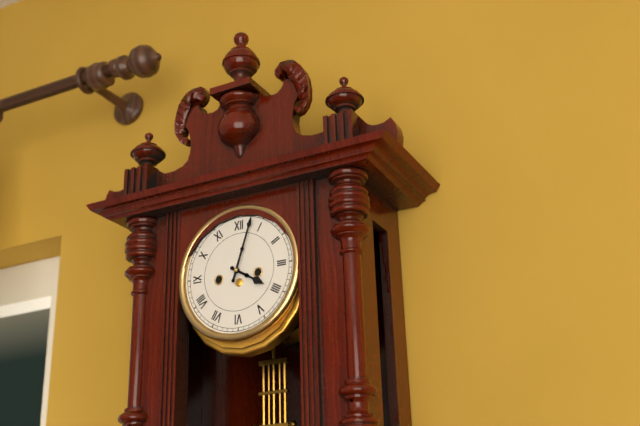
{"hour": 4, "minute": 3}
